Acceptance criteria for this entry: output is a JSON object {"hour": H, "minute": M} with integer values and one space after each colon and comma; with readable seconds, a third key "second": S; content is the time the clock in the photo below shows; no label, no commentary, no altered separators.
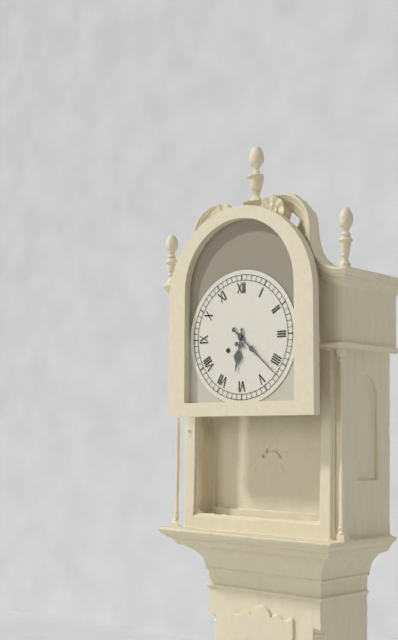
{"hour": 6, "minute": 22}
